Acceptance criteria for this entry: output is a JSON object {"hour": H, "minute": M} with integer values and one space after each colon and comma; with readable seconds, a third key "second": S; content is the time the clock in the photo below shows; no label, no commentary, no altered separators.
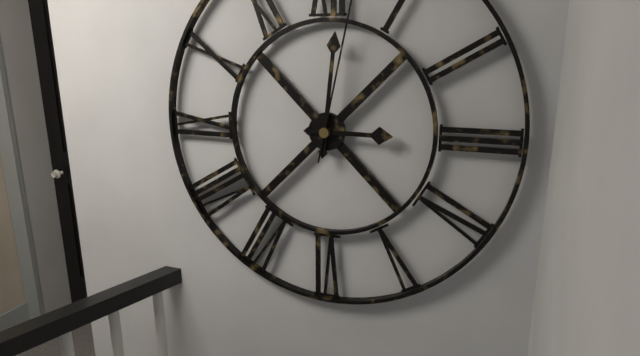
{"hour": 3, "minute": 1}
